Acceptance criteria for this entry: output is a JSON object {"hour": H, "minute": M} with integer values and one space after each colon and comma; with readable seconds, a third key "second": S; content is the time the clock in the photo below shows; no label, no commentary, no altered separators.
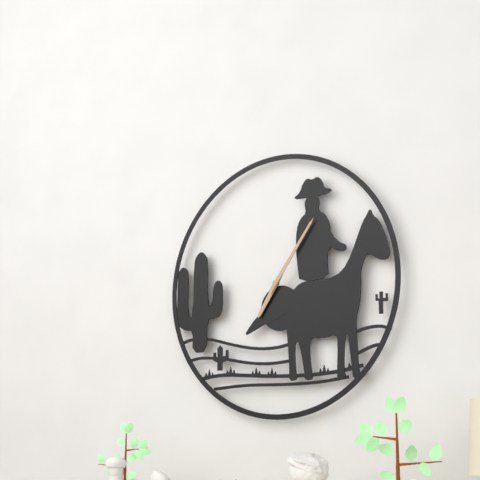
{"hour": 7, "minute": 6}
